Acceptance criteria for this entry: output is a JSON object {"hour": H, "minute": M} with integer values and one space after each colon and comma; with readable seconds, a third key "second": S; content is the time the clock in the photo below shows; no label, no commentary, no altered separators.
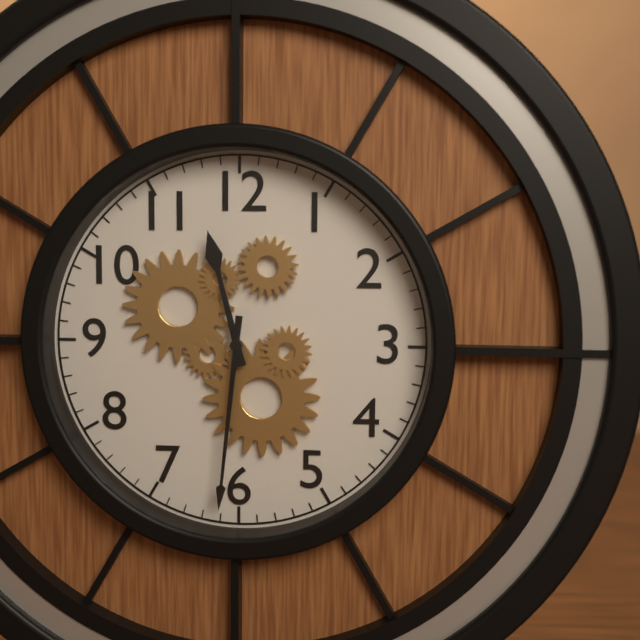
{"hour": 11, "minute": 31}
